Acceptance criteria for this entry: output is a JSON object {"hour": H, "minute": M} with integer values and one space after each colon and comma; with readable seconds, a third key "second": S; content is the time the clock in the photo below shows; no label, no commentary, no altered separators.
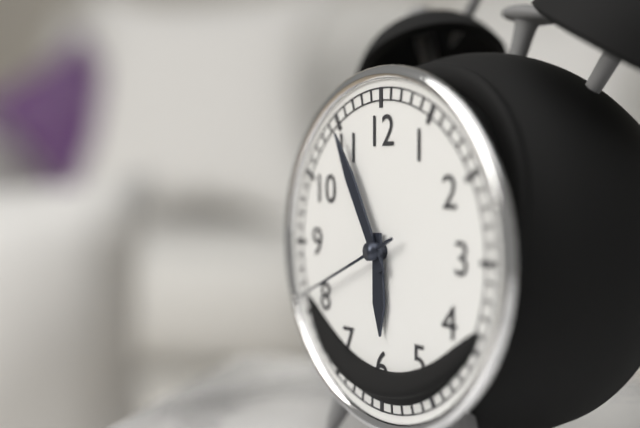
{"hour": 5, "minute": 55, "second": 41}
